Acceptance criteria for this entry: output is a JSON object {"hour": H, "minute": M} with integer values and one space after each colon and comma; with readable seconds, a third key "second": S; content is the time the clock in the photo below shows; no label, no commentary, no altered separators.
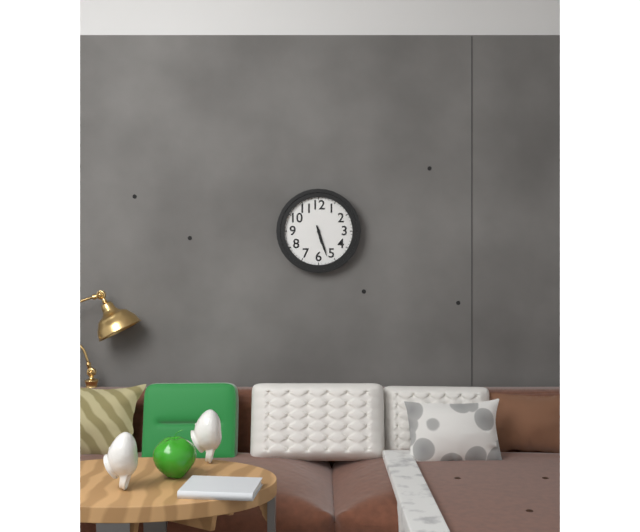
{"hour": 5, "minute": 27}
